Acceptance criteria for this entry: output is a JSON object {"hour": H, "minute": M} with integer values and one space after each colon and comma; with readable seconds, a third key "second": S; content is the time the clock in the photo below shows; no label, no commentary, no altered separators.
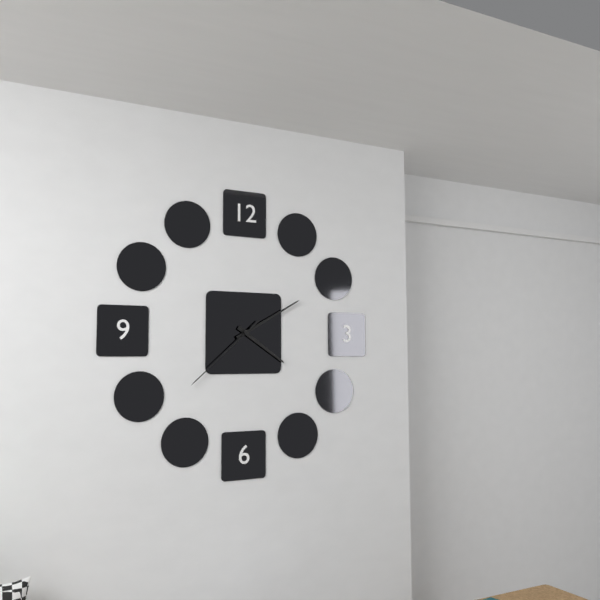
{"hour": 4, "minute": 10, "second": 38}
